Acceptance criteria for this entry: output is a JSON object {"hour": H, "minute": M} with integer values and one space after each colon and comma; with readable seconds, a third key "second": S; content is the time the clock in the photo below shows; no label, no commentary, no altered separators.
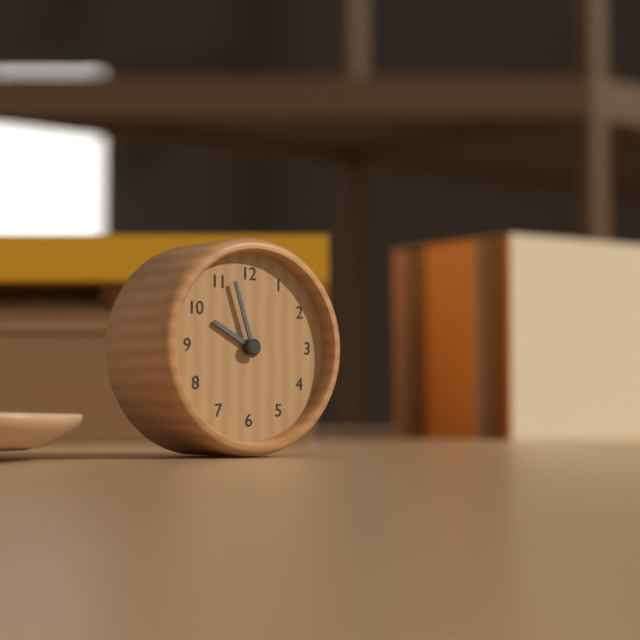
{"hour": 9, "minute": 57}
